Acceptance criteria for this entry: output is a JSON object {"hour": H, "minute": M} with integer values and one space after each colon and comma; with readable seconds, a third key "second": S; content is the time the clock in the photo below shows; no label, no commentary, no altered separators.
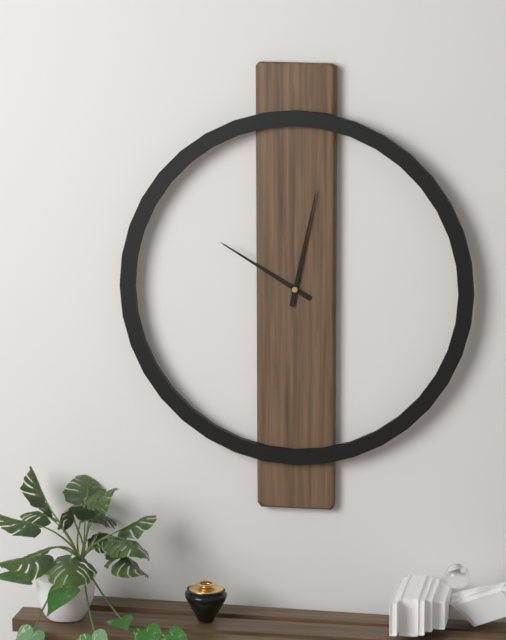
{"hour": 10, "minute": 2}
